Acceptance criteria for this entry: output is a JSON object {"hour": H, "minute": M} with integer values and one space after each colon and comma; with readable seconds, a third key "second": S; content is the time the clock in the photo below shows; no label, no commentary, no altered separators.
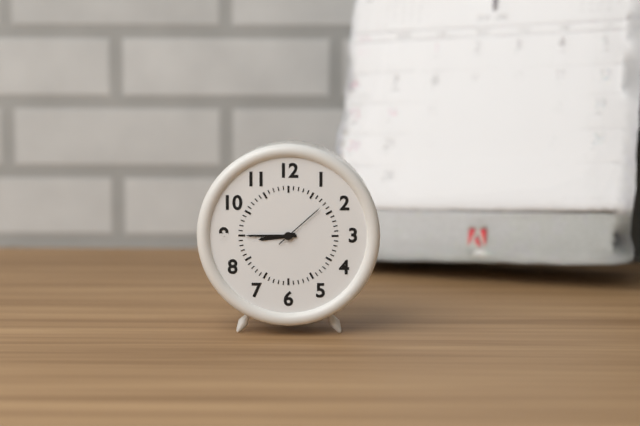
{"hour": 8, "minute": 45, "second": 8}
